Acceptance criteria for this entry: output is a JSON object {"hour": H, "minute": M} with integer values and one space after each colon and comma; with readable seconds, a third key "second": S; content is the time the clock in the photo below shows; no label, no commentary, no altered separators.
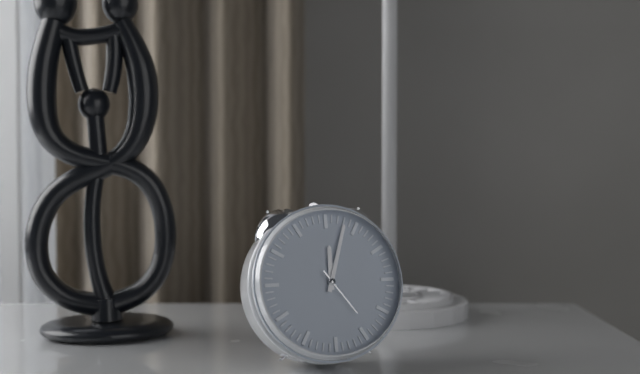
{"hour": 12, "minute": 3, "second": 24}
